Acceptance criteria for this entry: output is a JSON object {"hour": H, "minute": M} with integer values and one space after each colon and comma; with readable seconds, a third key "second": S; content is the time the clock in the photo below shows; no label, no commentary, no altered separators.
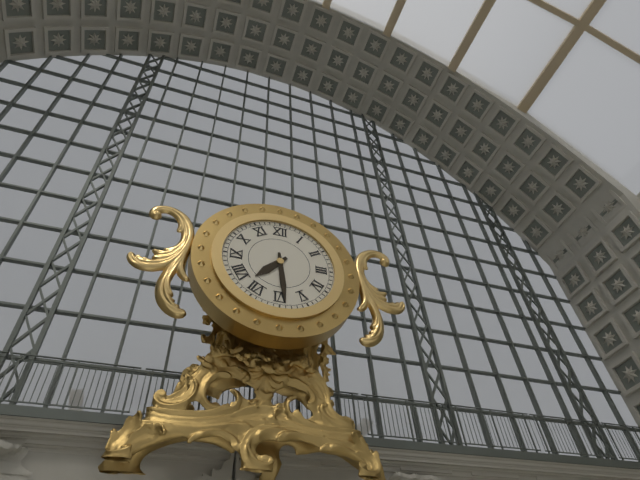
{"hour": 7, "minute": 29}
